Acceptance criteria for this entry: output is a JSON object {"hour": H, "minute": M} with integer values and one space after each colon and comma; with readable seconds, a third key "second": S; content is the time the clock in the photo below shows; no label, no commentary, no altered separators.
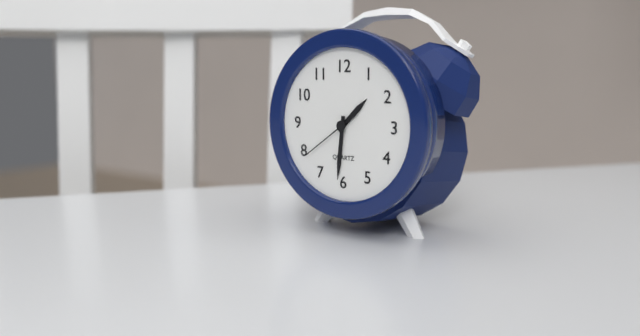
{"hour": 1, "minute": 31, "second": 39}
